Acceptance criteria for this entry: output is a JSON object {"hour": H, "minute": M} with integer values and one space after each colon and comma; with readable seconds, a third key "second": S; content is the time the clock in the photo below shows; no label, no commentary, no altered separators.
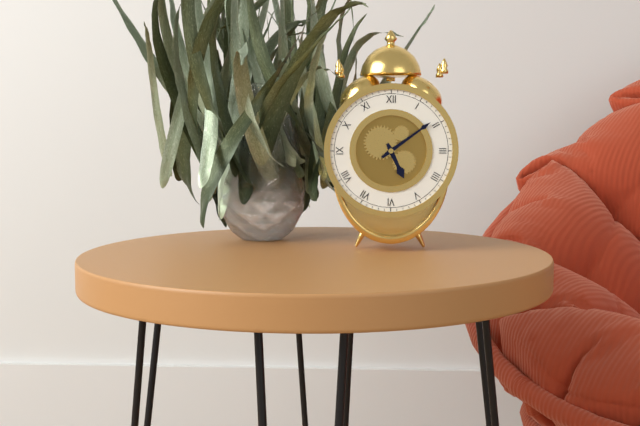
{"hour": 5, "minute": 9}
